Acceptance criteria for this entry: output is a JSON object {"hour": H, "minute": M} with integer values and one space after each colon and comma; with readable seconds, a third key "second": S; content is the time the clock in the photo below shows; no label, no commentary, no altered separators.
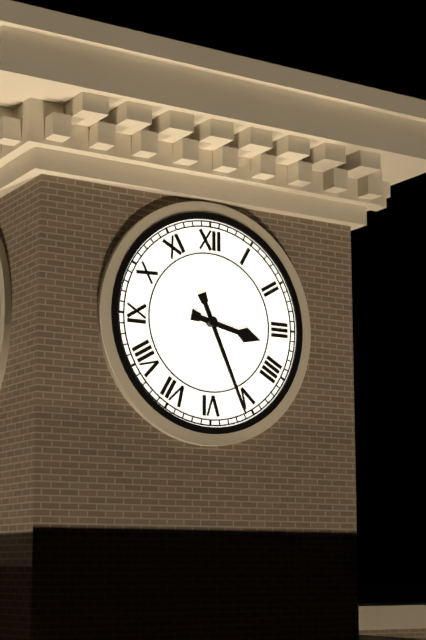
{"hour": 3, "minute": 26}
